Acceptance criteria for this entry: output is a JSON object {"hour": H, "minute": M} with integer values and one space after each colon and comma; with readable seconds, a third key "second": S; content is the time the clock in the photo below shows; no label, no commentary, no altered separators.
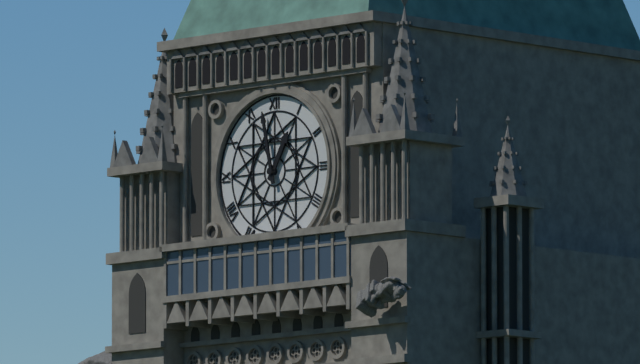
{"hour": 12, "minute": 58}
